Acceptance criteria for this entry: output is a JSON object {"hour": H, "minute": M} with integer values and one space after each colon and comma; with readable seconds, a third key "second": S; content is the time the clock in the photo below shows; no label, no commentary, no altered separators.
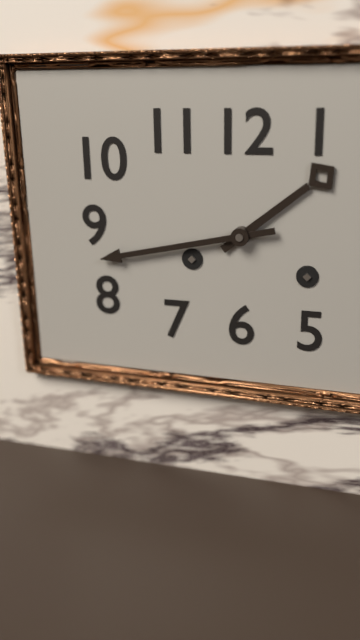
{"hour": 1, "minute": 43}
